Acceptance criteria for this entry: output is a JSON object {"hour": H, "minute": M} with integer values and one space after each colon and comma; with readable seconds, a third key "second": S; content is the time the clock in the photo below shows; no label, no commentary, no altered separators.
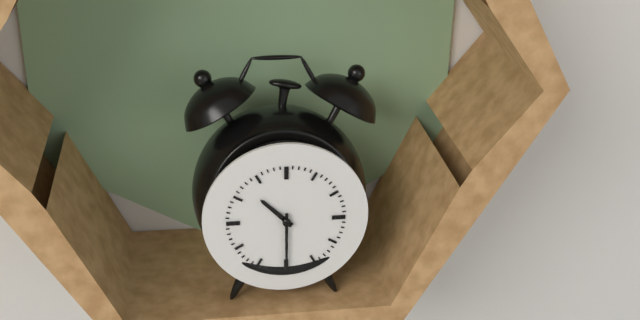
{"hour": 10, "minute": 30}
